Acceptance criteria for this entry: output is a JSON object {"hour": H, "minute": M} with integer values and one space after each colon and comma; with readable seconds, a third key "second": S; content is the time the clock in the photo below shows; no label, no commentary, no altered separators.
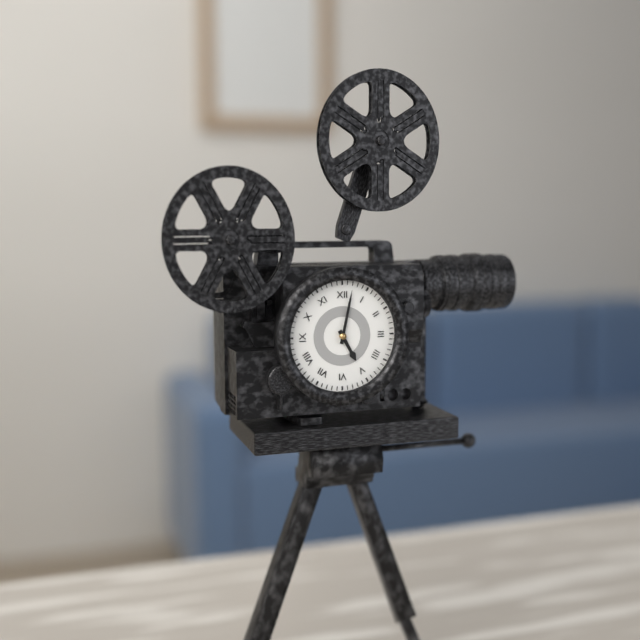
{"hour": 5, "minute": 2}
